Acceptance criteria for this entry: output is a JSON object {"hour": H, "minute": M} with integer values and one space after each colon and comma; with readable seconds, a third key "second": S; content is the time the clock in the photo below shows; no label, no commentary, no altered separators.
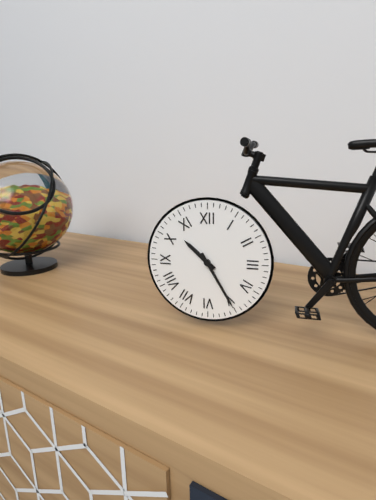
{"hour": 10, "minute": 25}
